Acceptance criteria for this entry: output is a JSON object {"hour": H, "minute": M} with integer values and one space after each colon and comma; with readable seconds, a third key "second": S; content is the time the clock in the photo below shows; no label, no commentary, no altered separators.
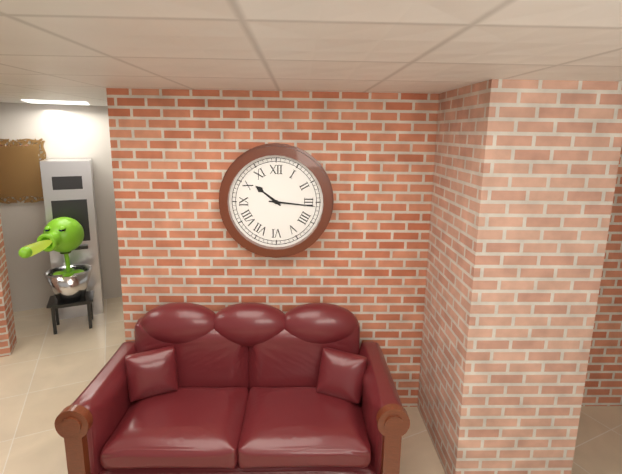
{"hour": 10, "minute": 16}
